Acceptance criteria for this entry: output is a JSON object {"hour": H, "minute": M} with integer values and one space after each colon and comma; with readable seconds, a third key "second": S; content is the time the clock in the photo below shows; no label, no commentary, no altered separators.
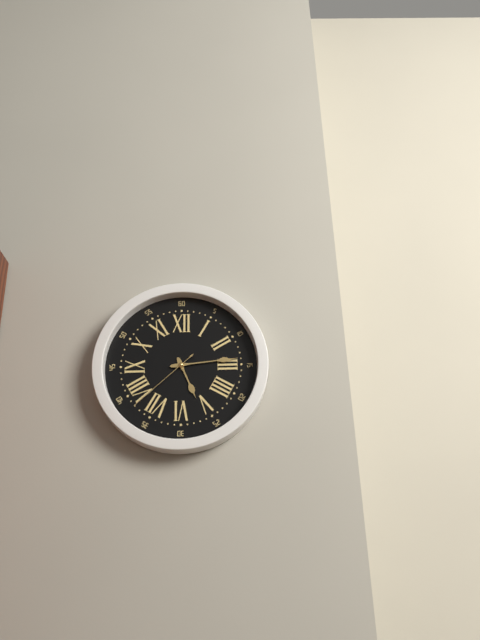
{"hour": 5, "minute": 14, "second": 38}
